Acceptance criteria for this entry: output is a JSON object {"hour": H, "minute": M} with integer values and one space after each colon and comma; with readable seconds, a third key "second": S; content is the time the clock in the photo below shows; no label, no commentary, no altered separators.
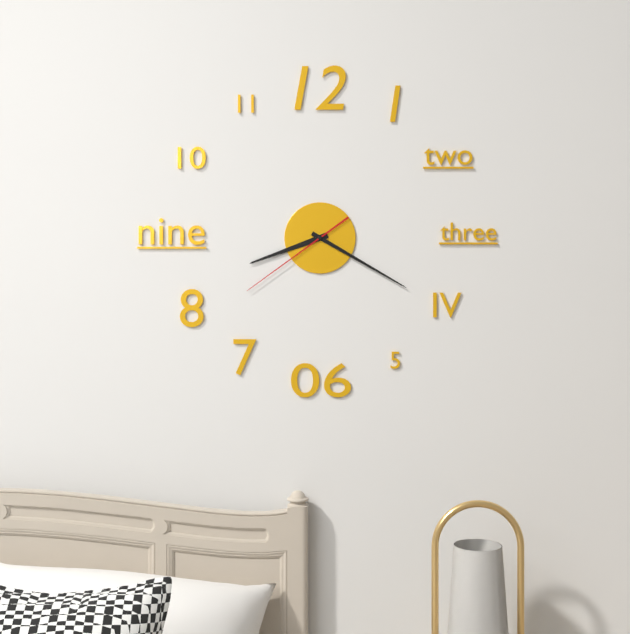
{"hour": 8, "minute": 20, "second": 39}
